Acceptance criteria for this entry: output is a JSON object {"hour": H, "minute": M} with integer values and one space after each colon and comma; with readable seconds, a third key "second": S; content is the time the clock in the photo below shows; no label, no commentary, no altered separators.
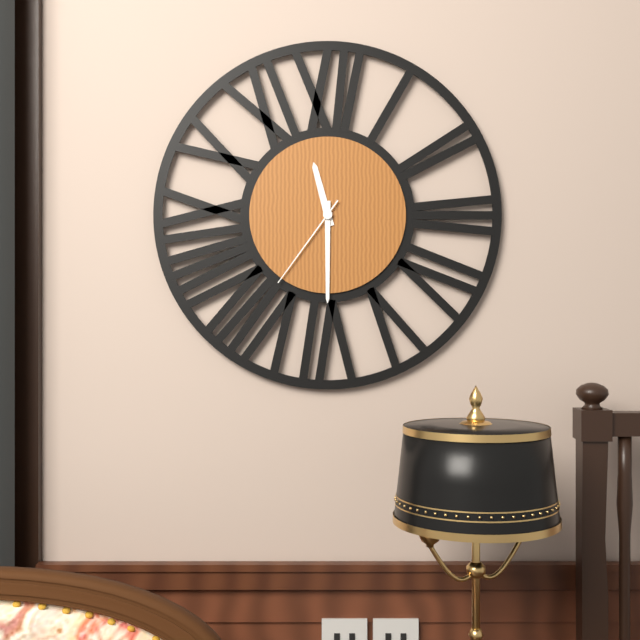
{"hour": 11, "minute": 30, "second": 36}
